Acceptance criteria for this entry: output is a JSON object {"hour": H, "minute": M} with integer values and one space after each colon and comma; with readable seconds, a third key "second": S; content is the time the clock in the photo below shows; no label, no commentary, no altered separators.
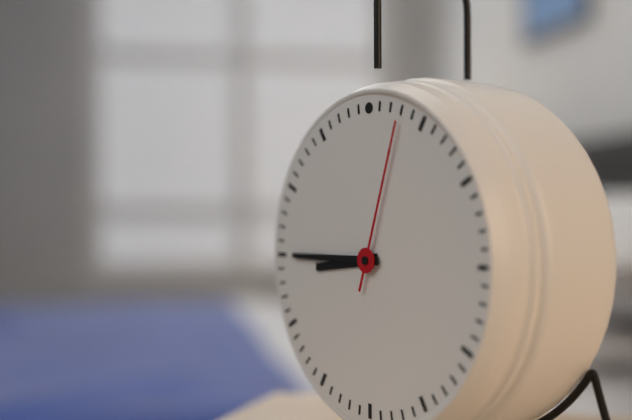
{"hour": 8, "minute": 45, "second": 3}
